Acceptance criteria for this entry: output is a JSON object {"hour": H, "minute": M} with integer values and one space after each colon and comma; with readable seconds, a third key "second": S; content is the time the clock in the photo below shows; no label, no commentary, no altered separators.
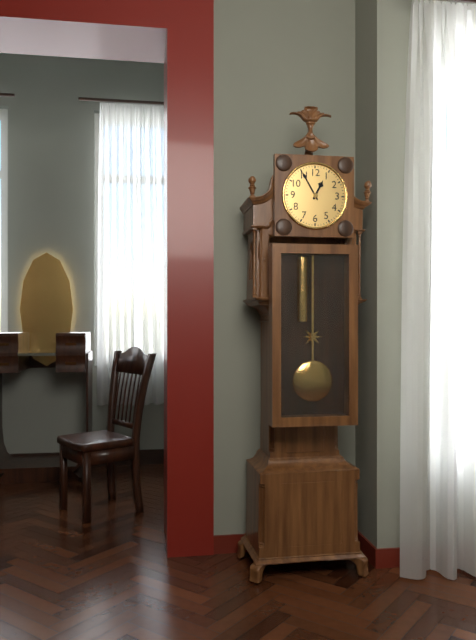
{"hour": 12, "minute": 55}
